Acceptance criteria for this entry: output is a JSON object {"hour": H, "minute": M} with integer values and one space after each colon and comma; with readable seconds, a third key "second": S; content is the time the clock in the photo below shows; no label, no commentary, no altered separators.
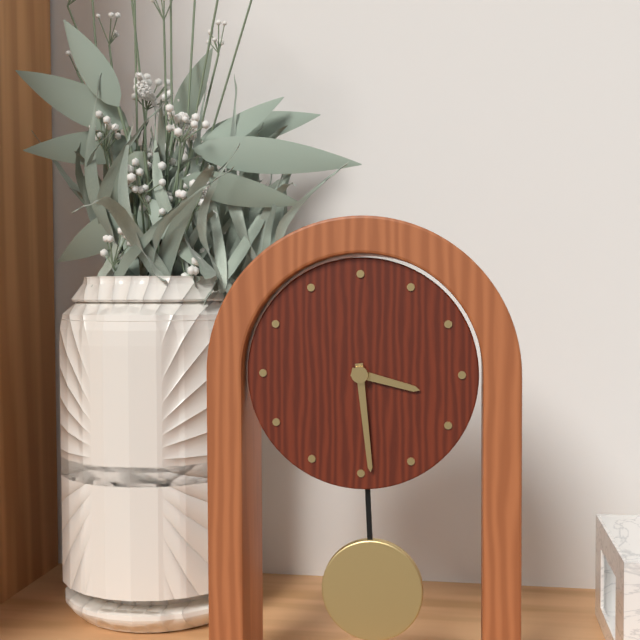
{"hour": 3, "minute": 29}
